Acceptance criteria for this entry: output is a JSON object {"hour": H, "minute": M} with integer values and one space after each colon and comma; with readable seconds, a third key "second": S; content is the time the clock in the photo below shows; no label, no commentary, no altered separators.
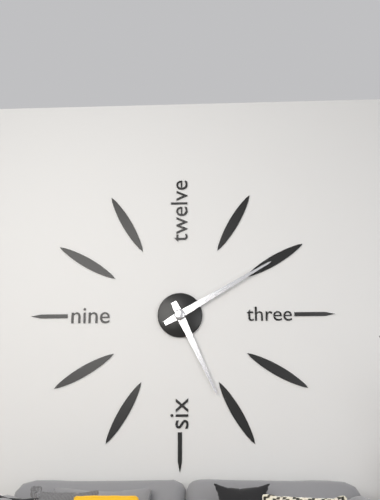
{"hour": 5, "minute": 10}
